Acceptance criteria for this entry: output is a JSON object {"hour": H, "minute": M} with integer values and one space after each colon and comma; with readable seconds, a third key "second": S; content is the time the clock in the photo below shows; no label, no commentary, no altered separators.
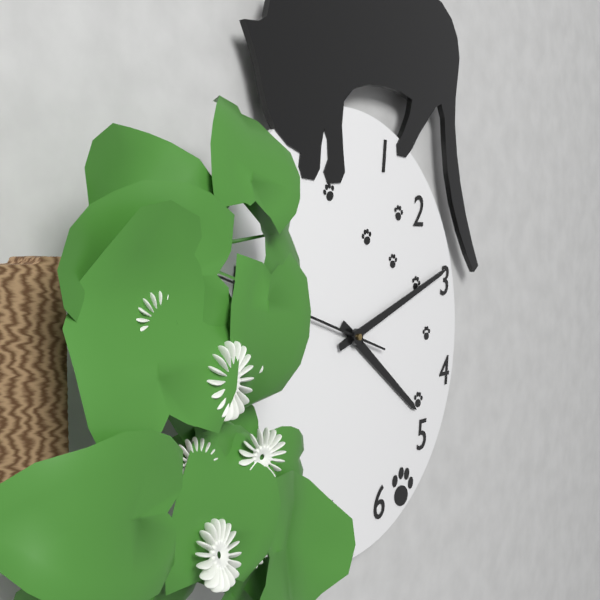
{"hour": 4, "minute": 12}
